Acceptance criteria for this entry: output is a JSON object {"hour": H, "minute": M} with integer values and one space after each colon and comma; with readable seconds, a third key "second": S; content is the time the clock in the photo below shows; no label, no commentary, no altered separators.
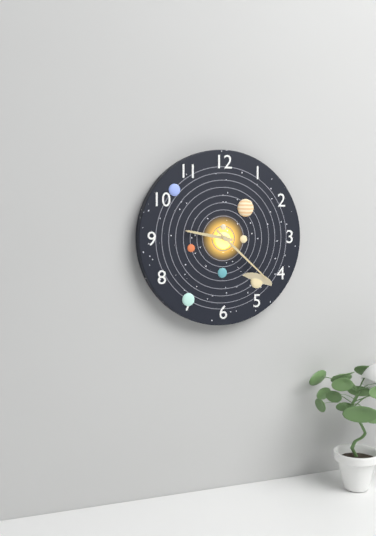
{"hour": 9, "minute": 22}
